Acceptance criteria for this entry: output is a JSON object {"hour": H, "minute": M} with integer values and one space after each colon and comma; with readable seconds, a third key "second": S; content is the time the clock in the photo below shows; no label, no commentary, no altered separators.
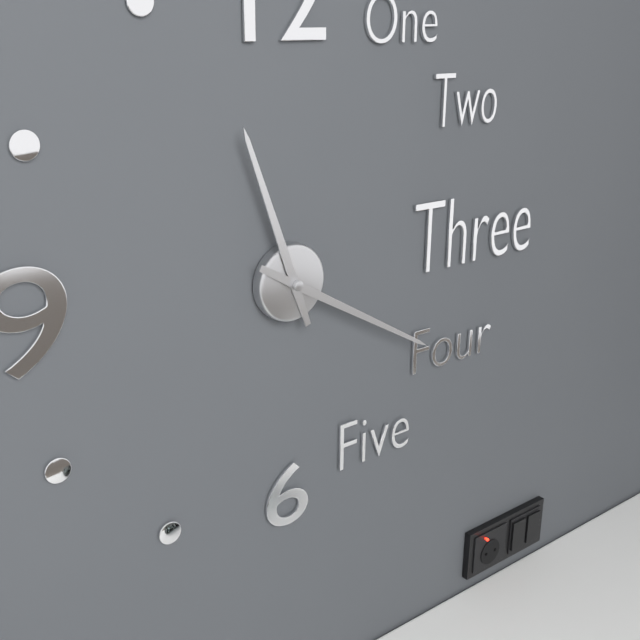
{"hour": 11, "minute": 20}
